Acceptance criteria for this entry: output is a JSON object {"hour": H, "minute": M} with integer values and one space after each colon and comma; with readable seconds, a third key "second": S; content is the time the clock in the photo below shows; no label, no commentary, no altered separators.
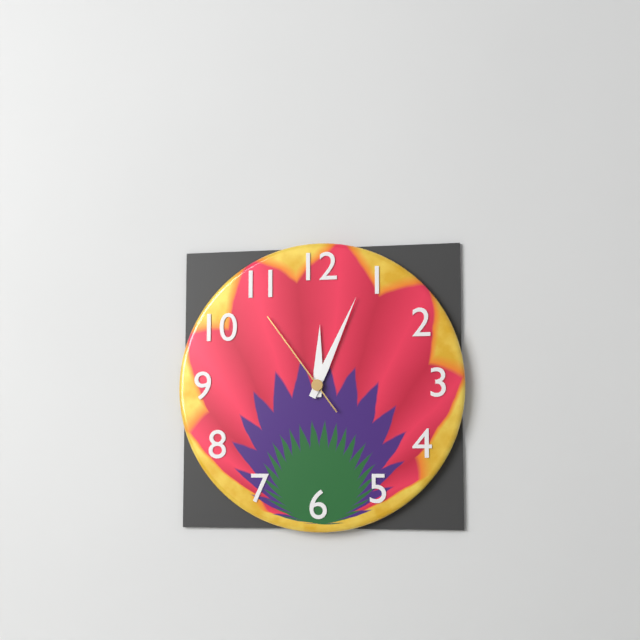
{"hour": 12, "minute": 4, "second": 54}
